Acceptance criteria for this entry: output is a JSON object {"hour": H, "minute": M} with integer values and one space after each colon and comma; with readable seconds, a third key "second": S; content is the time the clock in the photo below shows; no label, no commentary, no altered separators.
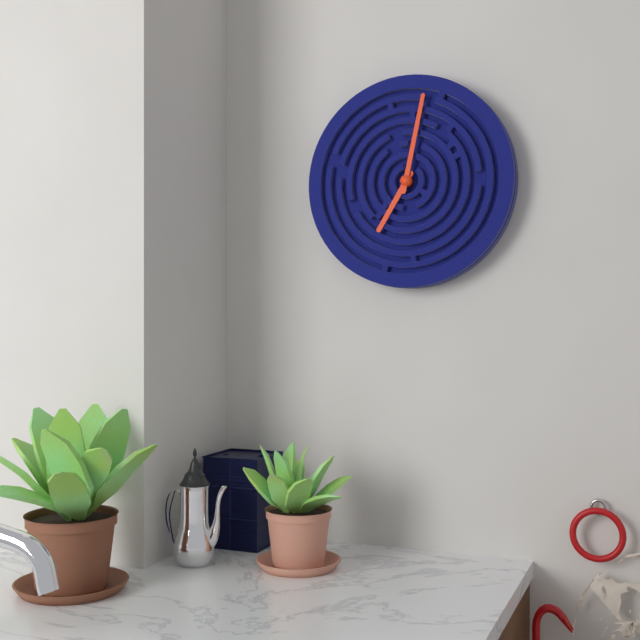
{"hour": 7, "minute": 2}
